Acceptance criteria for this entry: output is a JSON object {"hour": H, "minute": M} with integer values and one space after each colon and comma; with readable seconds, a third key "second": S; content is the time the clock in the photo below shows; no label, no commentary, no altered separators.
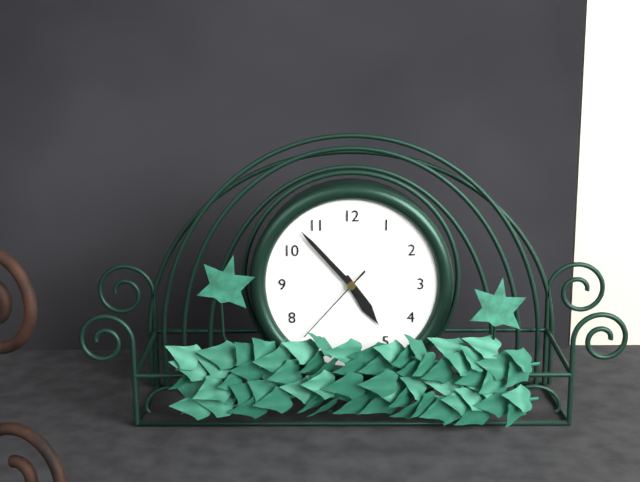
{"hour": 4, "minute": 53, "second": 37}
